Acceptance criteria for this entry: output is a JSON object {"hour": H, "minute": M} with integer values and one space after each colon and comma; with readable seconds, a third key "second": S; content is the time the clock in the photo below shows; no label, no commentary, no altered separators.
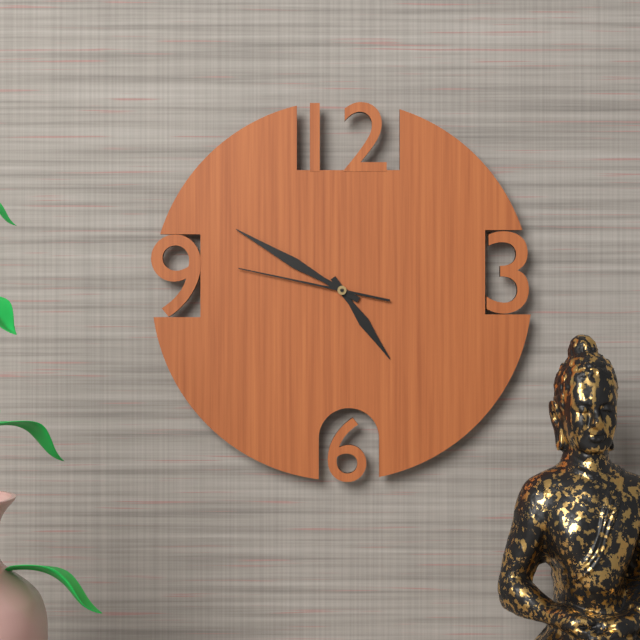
{"hour": 4, "minute": 50, "second": 47}
